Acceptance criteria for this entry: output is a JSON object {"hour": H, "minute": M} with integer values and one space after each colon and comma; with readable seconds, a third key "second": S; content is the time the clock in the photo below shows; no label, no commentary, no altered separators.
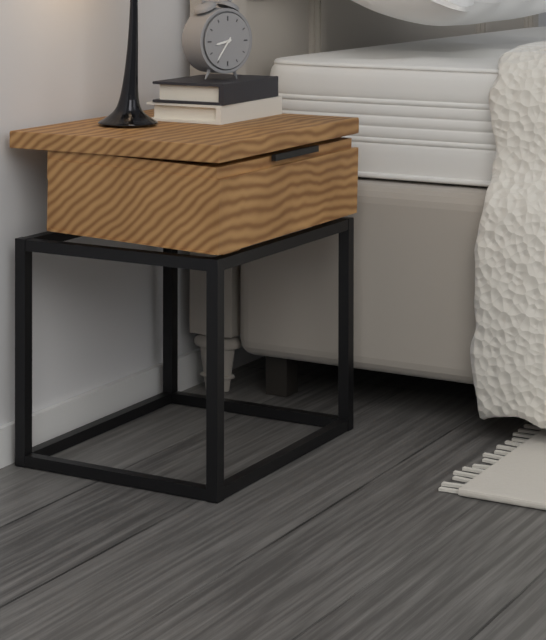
{"hour": 8, "minute": 36}
